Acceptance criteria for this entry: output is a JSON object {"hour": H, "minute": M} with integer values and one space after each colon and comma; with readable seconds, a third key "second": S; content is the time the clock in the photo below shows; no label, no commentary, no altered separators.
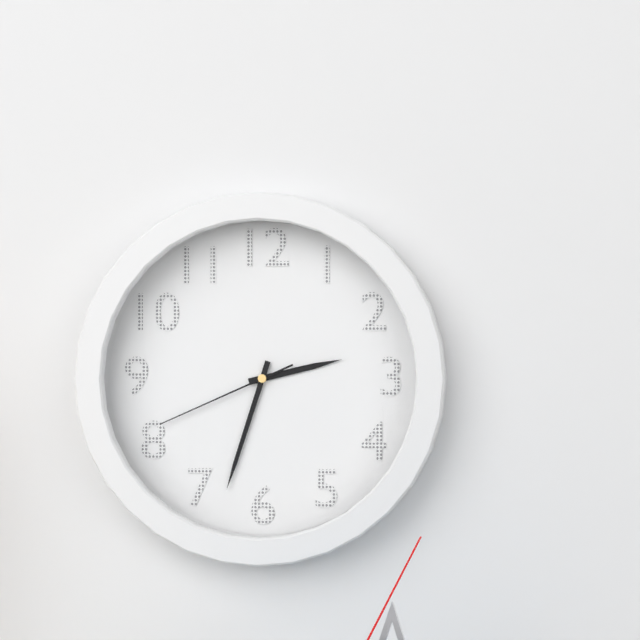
{"hour": 2, "minute": 33, "second": 41}
